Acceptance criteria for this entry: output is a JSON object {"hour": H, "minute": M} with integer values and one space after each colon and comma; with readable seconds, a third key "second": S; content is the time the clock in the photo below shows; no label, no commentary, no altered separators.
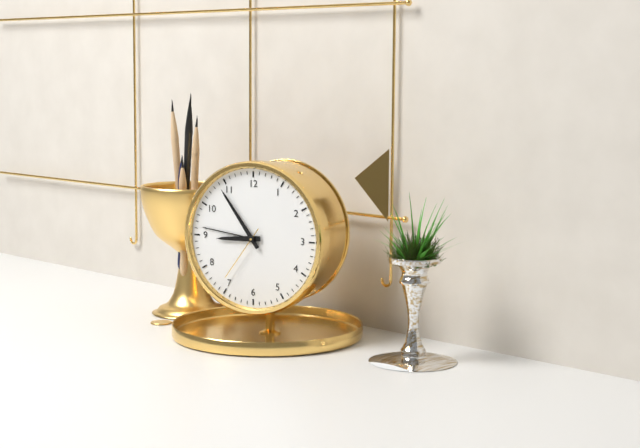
{"hour": 8, "minute": 54, "second": 36}
